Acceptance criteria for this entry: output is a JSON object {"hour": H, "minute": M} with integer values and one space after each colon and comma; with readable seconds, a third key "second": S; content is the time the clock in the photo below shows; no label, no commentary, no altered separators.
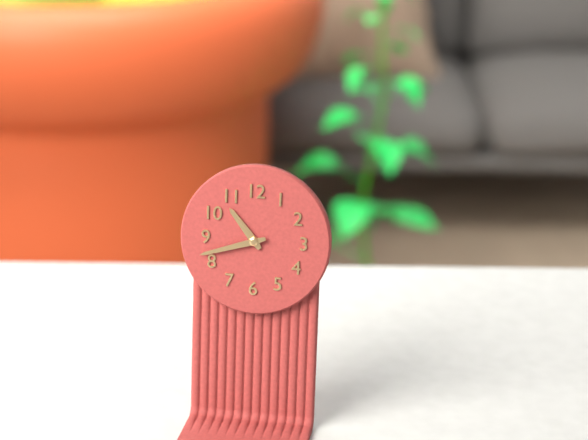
{"hour": 10, "minute": 42}
